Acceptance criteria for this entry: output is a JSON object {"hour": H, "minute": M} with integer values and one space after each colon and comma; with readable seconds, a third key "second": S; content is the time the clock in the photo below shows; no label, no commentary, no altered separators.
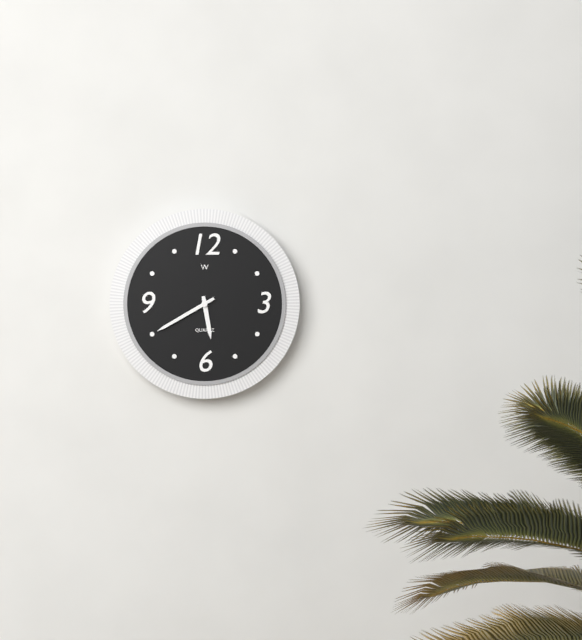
{"hour": 5, "minute": 40}
